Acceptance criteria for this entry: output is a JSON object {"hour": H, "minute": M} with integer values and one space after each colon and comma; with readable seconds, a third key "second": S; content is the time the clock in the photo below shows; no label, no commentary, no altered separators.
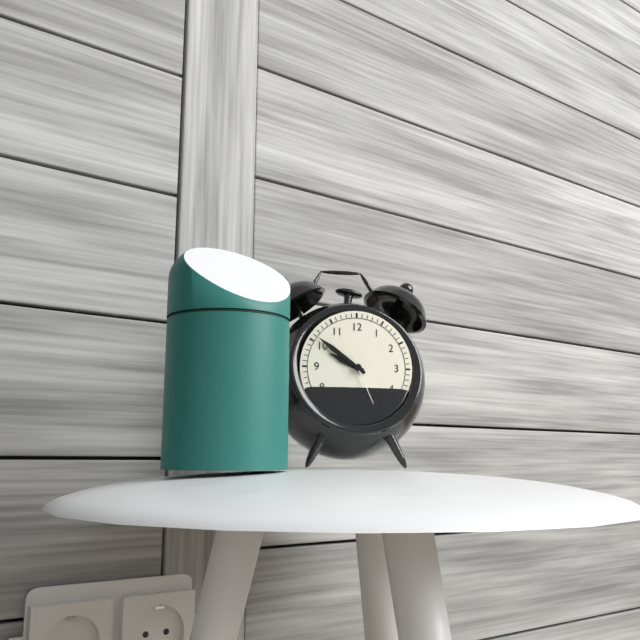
{"hour": 9, "minute": 51, "second": 26}
